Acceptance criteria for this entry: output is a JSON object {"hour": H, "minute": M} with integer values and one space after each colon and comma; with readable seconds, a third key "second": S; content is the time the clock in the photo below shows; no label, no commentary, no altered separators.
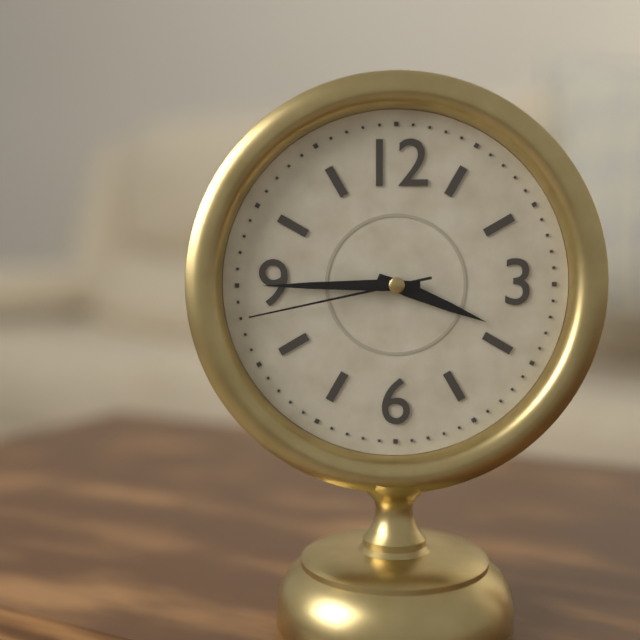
{"hour": 3, "minute": 45, "second": 43}
